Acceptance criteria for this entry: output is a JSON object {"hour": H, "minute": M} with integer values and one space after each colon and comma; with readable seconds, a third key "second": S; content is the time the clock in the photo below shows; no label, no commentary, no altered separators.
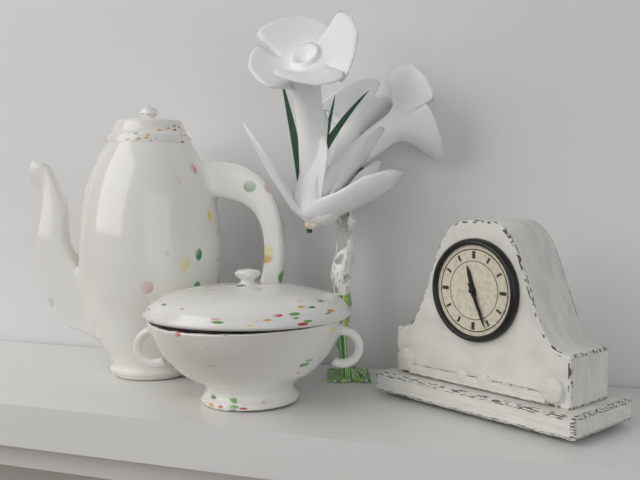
{"hour": 11, "minute": 26}
